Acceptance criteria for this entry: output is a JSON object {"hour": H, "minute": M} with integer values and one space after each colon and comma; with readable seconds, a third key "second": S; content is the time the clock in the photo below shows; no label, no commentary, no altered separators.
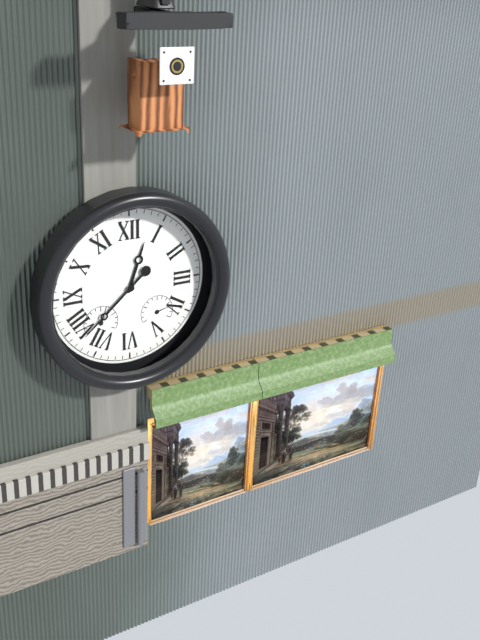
{"hour": 12, "minute": 38}
